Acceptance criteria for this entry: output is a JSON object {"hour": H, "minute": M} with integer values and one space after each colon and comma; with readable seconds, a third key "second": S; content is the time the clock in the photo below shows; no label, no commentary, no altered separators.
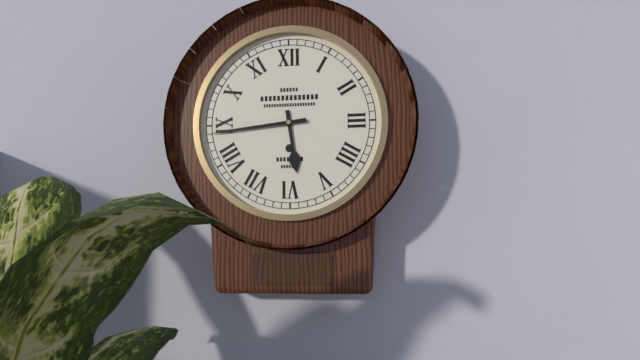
{"hour": 5, "minute": 44}
